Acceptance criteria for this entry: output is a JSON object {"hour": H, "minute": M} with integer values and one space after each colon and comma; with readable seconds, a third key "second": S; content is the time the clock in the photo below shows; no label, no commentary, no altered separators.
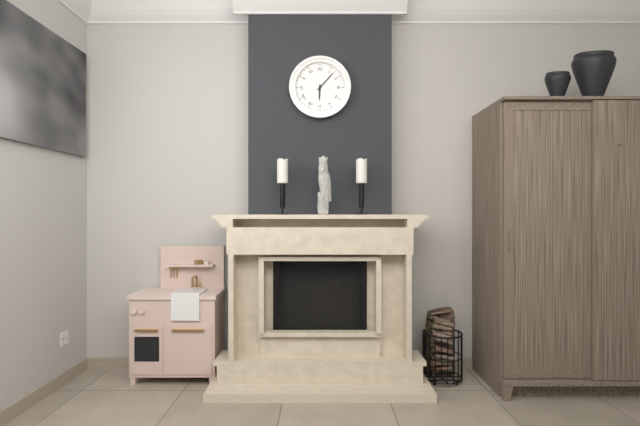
{"hour": 6, "minute": 7}
